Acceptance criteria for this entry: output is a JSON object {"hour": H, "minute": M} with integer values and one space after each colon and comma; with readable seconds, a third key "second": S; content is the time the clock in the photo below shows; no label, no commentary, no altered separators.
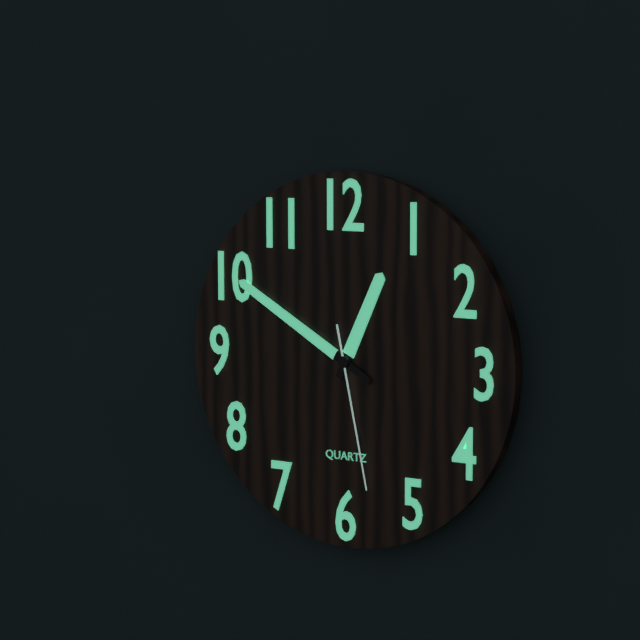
{"hour": 12, "minute": 50, "second": 28}
